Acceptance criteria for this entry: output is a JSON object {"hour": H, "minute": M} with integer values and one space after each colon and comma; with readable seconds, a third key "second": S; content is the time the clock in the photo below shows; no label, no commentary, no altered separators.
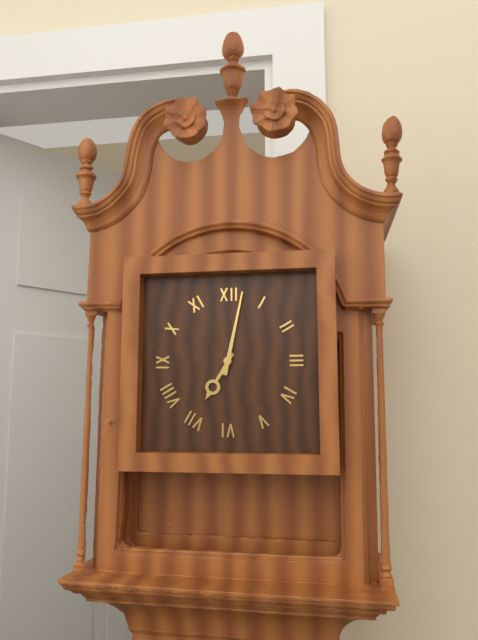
{"hour": 7, "minute": 2}
